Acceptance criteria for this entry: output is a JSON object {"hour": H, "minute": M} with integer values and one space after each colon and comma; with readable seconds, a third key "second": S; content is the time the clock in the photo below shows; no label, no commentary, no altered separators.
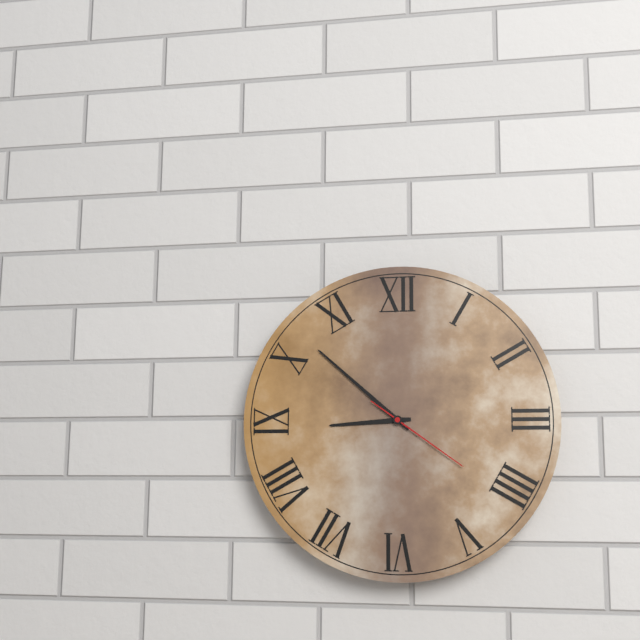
{"hour": 8, "minute": 52, "second": 21}
